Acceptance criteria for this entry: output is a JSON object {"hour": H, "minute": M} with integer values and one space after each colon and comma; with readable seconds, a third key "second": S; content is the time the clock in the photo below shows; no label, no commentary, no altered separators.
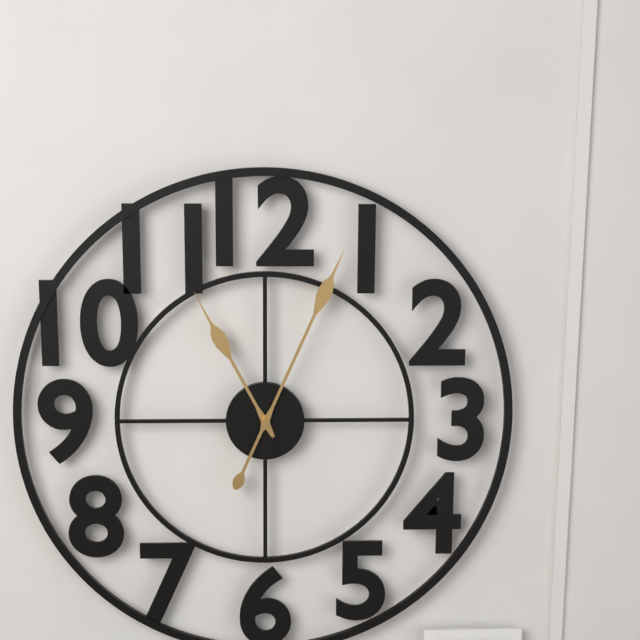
{"hour": 11, "minute": 4}
